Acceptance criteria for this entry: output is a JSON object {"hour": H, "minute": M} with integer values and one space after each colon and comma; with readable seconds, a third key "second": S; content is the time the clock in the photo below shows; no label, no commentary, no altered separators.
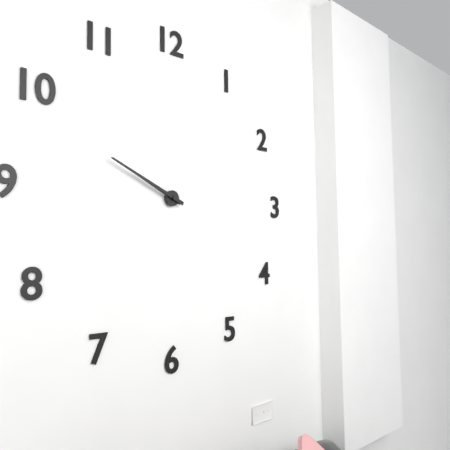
{"hour": 9, "minute": 49}
